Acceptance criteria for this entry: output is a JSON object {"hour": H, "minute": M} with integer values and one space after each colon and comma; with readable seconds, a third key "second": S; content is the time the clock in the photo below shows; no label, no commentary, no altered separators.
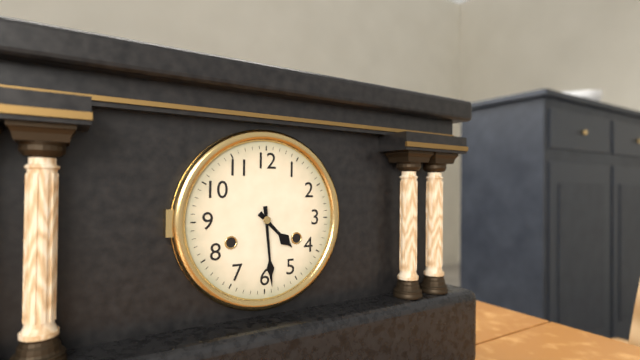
{"hour": 4, "minute": 29}
